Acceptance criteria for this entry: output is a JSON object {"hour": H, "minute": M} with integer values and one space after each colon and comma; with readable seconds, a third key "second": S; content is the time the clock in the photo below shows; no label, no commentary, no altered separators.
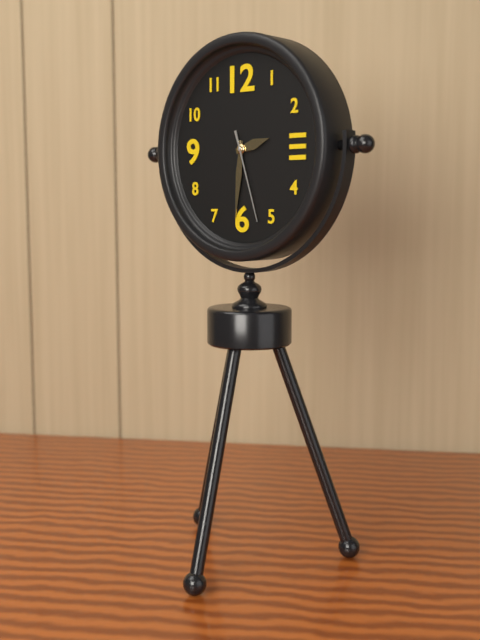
{"hour": 2, "minute": 31, "second": 27}
